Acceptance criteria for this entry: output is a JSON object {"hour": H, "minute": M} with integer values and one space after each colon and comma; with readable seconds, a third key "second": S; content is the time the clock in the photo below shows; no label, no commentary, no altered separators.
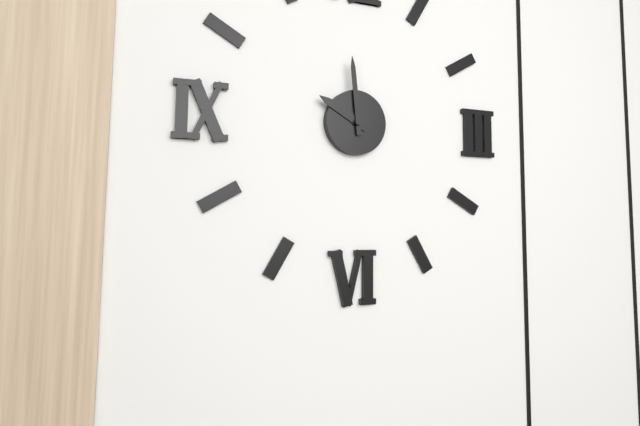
{"hour": 9, "minute": 59}
